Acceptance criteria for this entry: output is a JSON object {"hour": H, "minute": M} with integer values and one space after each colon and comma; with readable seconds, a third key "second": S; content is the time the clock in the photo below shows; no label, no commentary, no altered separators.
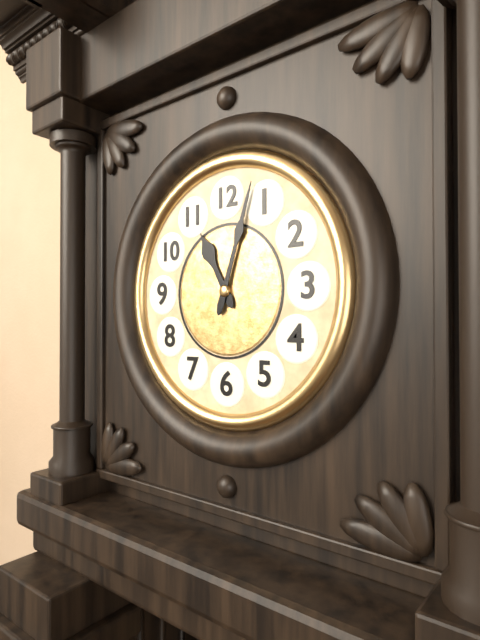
{"hour": 11, "minute": 3}
